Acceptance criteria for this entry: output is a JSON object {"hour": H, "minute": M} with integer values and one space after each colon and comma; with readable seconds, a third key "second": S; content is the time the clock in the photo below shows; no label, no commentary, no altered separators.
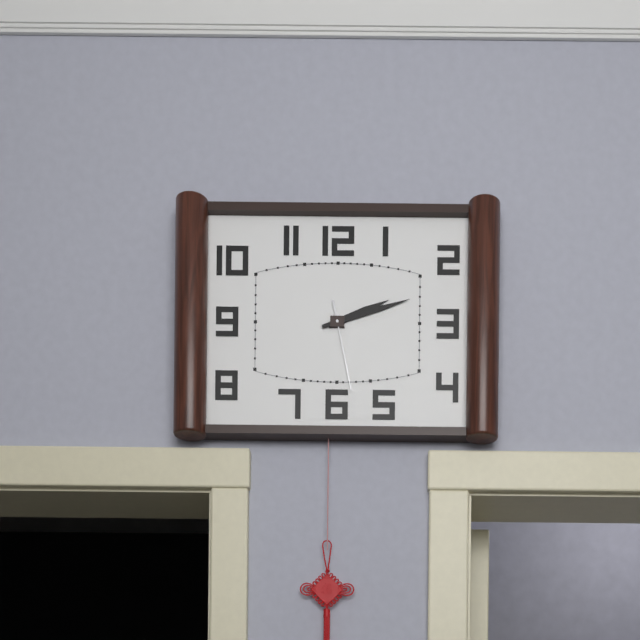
{"hour": 2, "minute": 12, "second": 28}
